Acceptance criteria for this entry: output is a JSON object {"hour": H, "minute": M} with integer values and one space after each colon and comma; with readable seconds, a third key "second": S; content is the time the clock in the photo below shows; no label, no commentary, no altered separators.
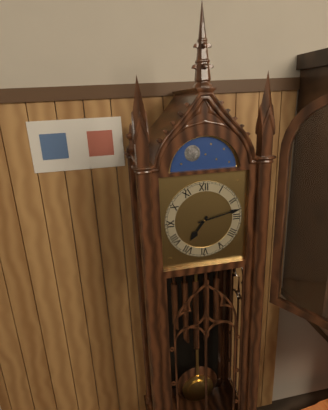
{"hour": 7, "minute": 13}
